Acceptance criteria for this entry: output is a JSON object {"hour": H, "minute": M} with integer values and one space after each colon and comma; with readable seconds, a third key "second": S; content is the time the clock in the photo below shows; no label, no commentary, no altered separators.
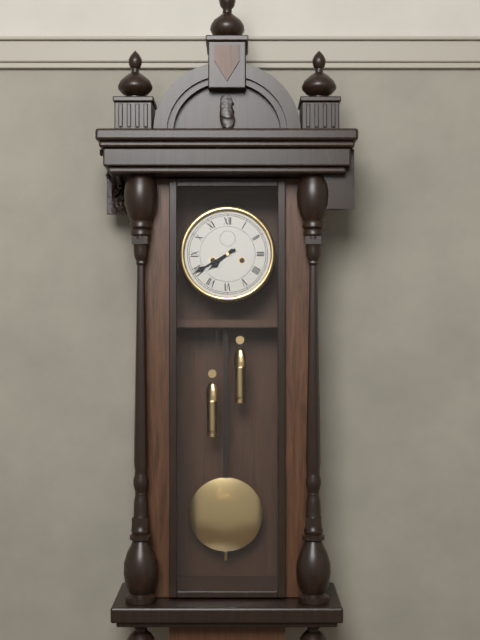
{"hour": 7, "minute": 40}
